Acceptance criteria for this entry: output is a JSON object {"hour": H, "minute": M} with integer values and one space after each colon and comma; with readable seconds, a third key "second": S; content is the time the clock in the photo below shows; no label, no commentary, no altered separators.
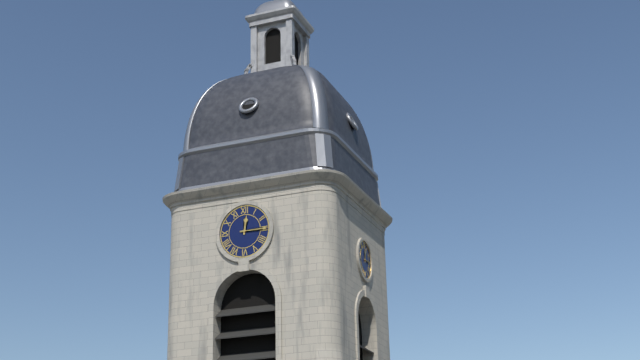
{"hour": 12, "minute": 15}
